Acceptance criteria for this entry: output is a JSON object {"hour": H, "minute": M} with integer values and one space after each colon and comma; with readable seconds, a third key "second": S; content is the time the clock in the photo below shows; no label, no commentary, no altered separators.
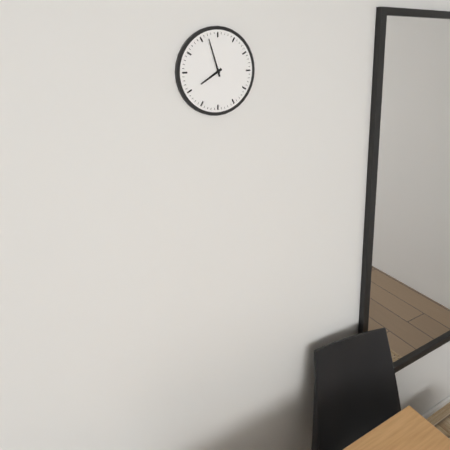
{"hour": 7, "minute": 57}
